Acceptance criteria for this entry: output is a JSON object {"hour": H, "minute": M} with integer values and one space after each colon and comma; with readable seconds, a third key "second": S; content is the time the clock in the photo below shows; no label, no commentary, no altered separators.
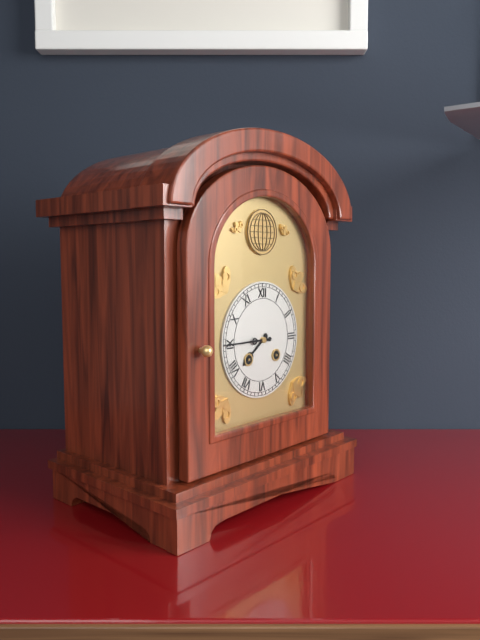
{"hour": 7, "minute": 45}
